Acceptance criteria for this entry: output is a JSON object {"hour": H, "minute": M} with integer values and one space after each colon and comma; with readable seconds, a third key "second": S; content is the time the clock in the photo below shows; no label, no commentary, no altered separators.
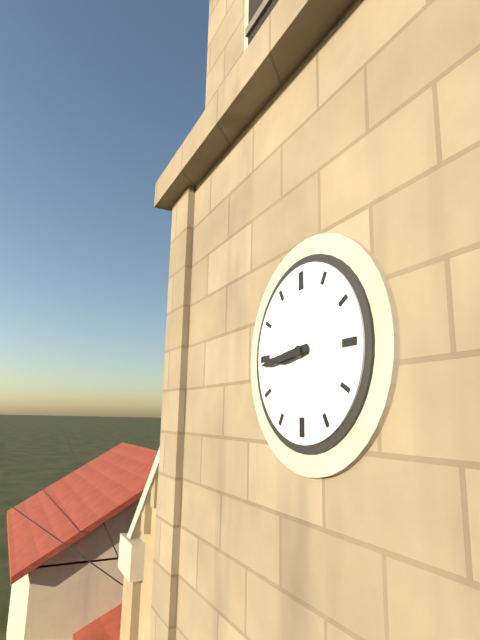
{"hour": 8, "minute": 44}
